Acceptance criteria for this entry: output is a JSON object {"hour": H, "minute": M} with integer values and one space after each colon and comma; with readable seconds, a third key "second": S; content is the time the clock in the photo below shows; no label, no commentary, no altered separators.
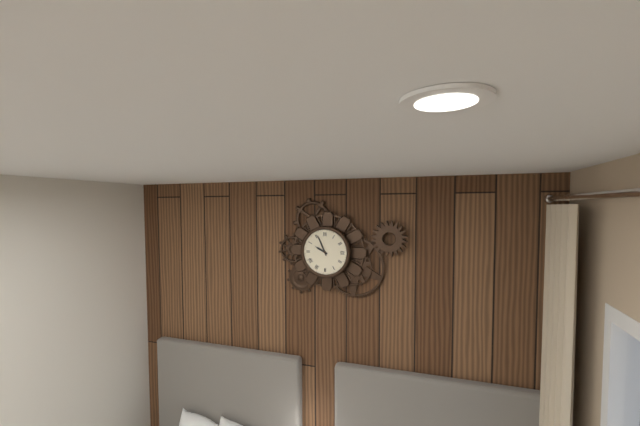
{"hour": 9, "minute": 56}
